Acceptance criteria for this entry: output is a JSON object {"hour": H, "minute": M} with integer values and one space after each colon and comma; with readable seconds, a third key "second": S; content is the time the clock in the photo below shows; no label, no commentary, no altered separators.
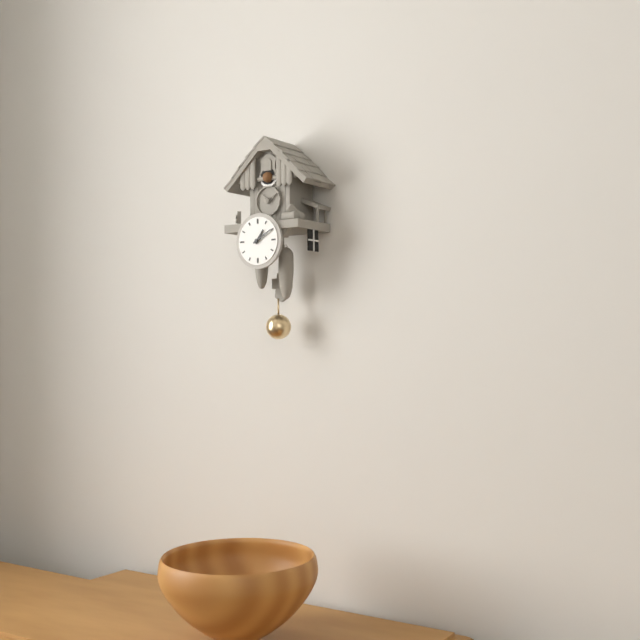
{"hour": 1, "minute": 10}
